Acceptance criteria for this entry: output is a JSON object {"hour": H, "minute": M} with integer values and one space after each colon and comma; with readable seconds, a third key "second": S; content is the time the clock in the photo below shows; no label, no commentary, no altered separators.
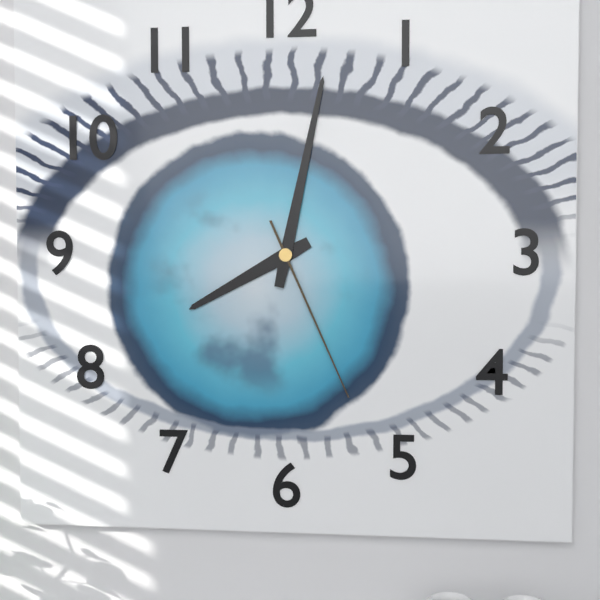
{"hour": 8, "minute": 2, "second": 26}
